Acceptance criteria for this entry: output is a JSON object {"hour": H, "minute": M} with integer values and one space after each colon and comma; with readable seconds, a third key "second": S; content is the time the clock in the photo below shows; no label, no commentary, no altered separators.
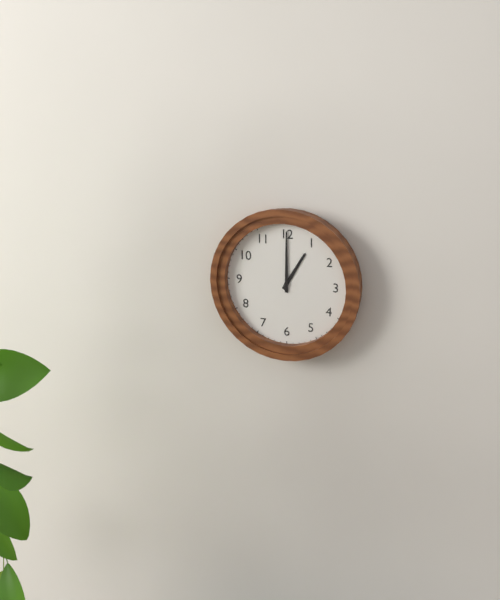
{"hour": 1, "minute": 0}
